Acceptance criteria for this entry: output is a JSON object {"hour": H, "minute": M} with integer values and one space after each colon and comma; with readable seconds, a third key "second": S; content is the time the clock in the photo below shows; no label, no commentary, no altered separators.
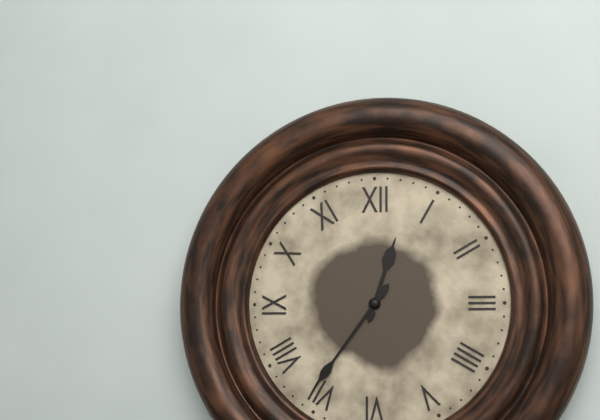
{"hour": 12, "minute": 36}
